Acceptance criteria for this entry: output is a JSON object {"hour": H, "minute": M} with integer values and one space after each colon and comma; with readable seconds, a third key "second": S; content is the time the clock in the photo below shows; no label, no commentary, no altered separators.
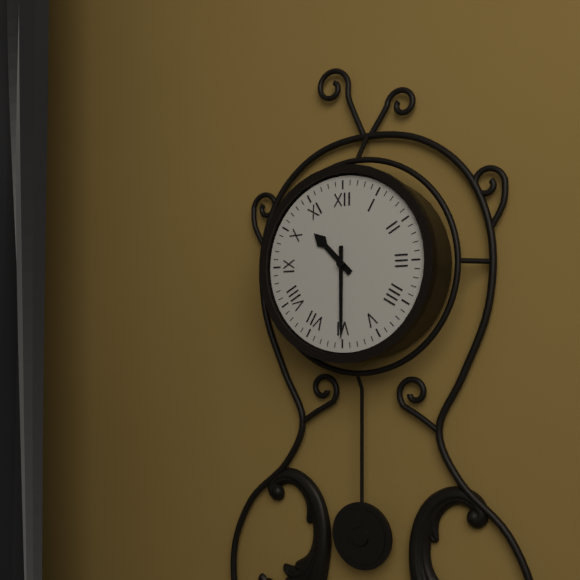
{"hour": 10, "minute": 30}
